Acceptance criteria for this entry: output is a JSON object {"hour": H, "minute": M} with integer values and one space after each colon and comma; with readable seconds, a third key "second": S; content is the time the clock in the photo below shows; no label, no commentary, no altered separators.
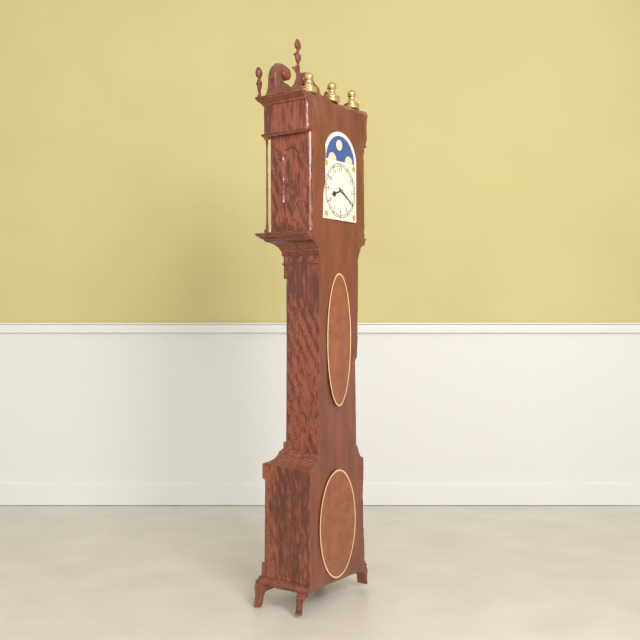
{"hour": 8, "minute": 20}
